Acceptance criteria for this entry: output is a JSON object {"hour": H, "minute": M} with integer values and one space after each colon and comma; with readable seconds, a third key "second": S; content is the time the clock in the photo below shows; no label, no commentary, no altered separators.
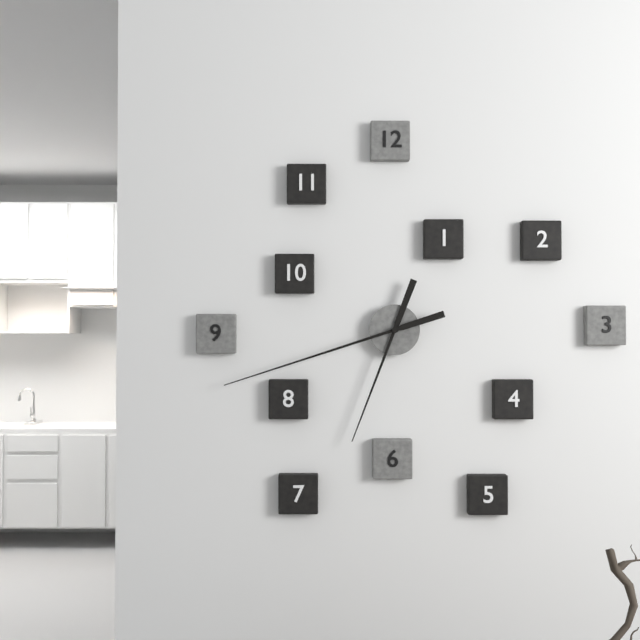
{"hour": 6, "minute": 42}
